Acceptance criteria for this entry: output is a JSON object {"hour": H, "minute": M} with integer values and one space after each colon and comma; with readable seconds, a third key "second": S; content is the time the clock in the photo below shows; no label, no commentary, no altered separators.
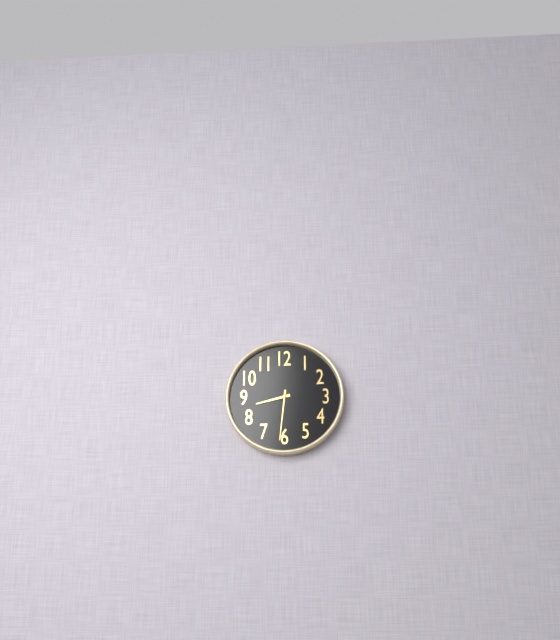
{"hour": 8, "minute": 31}
